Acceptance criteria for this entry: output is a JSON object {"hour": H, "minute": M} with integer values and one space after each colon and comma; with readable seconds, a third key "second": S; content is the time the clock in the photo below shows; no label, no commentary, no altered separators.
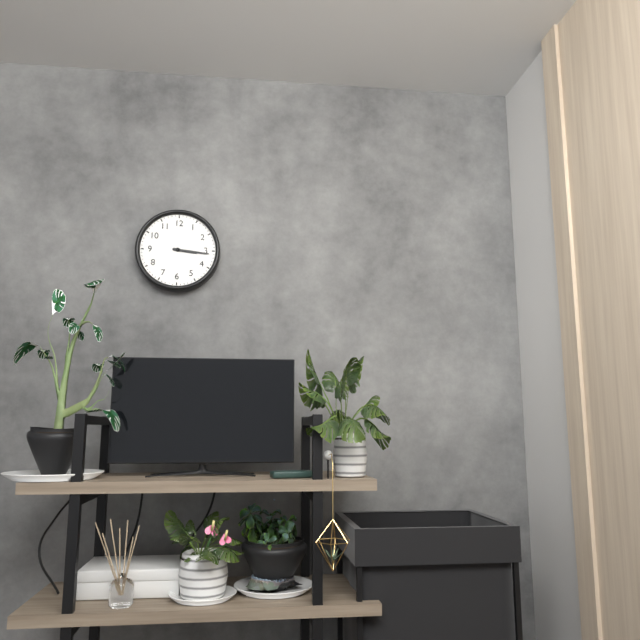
{"hour": 3, "minute": 16}
